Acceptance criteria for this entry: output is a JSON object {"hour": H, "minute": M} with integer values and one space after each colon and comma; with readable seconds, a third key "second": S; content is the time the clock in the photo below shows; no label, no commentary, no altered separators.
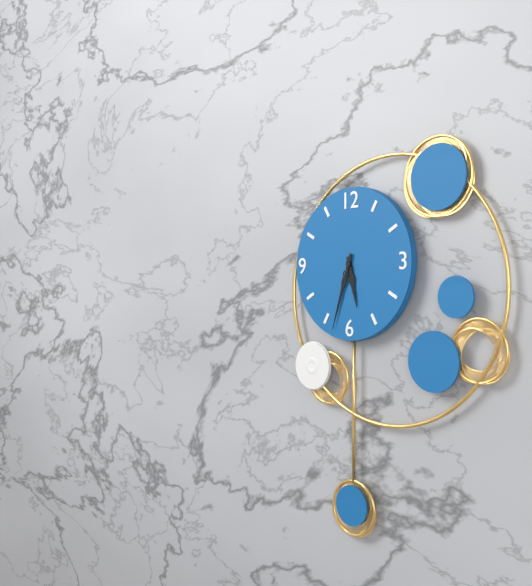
{"hour": 5, "minute": 33}
